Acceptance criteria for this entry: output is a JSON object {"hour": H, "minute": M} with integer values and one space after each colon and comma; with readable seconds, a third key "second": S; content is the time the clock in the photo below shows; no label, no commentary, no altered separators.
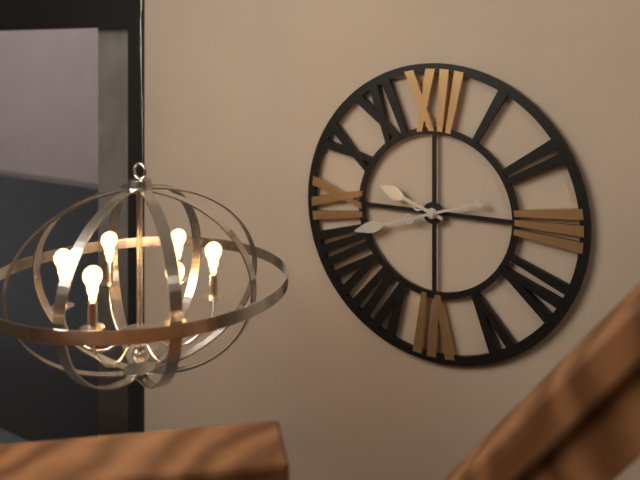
{"hour": 9, "minute": 42}
